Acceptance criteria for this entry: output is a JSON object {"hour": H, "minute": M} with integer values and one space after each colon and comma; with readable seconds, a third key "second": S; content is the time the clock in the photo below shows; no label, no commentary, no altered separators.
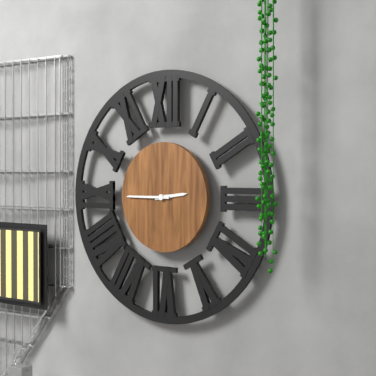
{"hour": 2, "minute": 45}
